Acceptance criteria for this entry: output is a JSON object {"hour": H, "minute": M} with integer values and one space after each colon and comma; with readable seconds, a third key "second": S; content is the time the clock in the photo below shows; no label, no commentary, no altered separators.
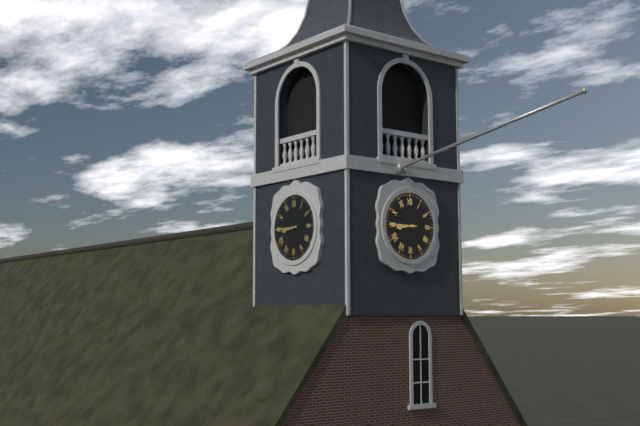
{"hour": 8, "minute": 45}
